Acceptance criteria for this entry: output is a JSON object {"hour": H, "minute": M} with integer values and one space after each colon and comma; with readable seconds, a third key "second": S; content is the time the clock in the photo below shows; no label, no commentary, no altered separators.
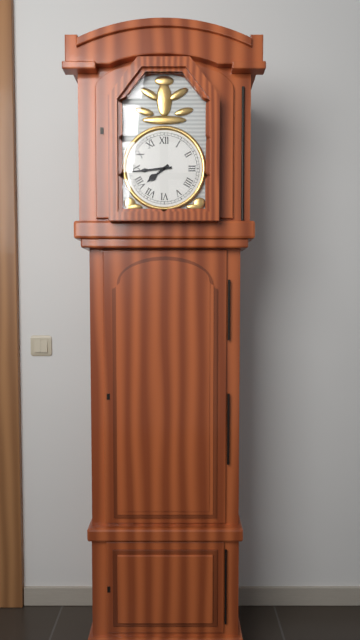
{"hour": 7, "minute": 44}
